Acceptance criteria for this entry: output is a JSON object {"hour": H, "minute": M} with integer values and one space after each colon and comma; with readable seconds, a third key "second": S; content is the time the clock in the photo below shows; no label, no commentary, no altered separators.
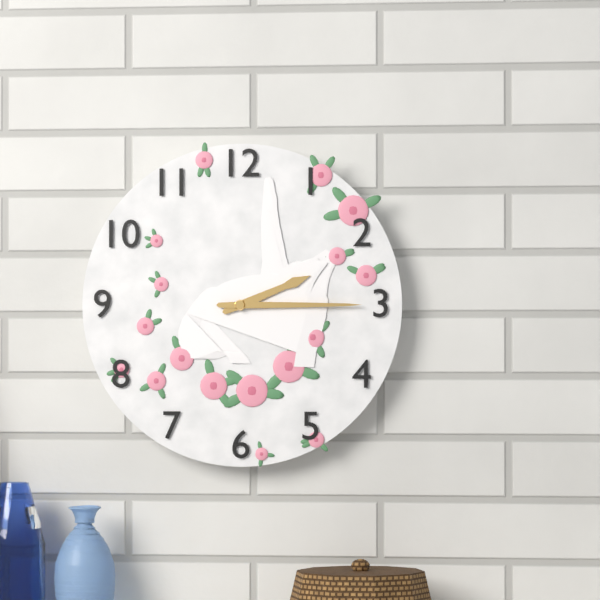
{"hour": 2, "minute": 15}
